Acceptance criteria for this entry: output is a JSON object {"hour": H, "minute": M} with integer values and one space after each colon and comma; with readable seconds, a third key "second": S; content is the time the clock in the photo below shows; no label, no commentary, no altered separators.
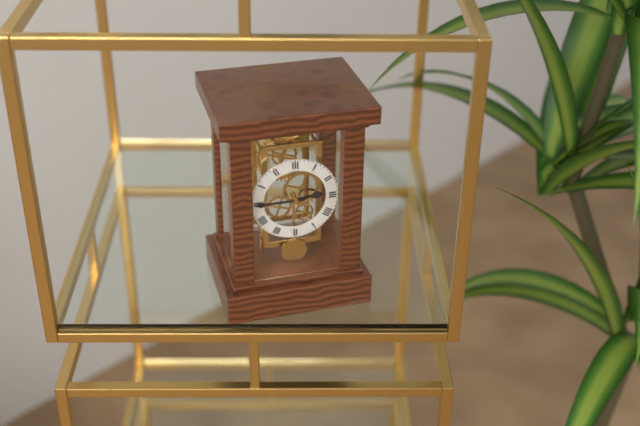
{"hour": 2, "minute": 45}
